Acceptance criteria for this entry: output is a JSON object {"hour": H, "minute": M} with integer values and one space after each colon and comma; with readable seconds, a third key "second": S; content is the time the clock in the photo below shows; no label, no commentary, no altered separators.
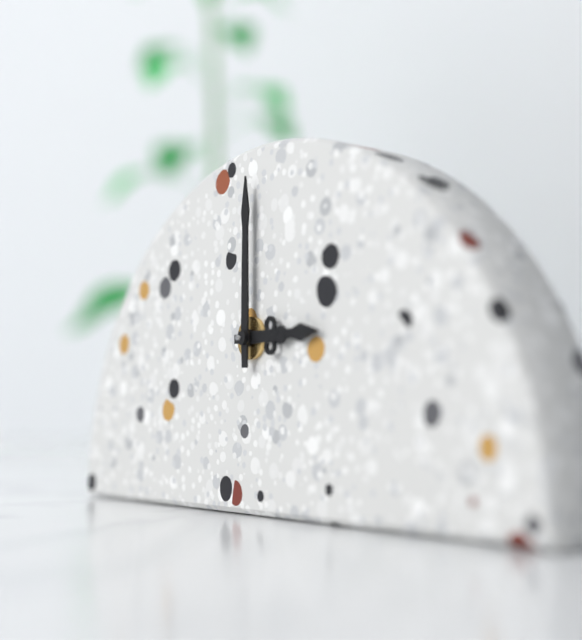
{"hour": 3, "minute": 0}
